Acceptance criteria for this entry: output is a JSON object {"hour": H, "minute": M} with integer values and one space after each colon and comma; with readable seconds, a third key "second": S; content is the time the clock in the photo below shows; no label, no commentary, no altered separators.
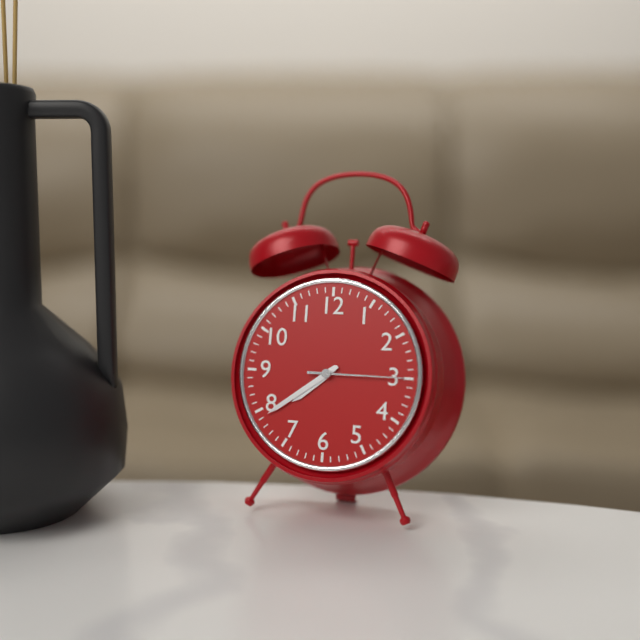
{"hour": 7, "minute": 39, "second": 15}
